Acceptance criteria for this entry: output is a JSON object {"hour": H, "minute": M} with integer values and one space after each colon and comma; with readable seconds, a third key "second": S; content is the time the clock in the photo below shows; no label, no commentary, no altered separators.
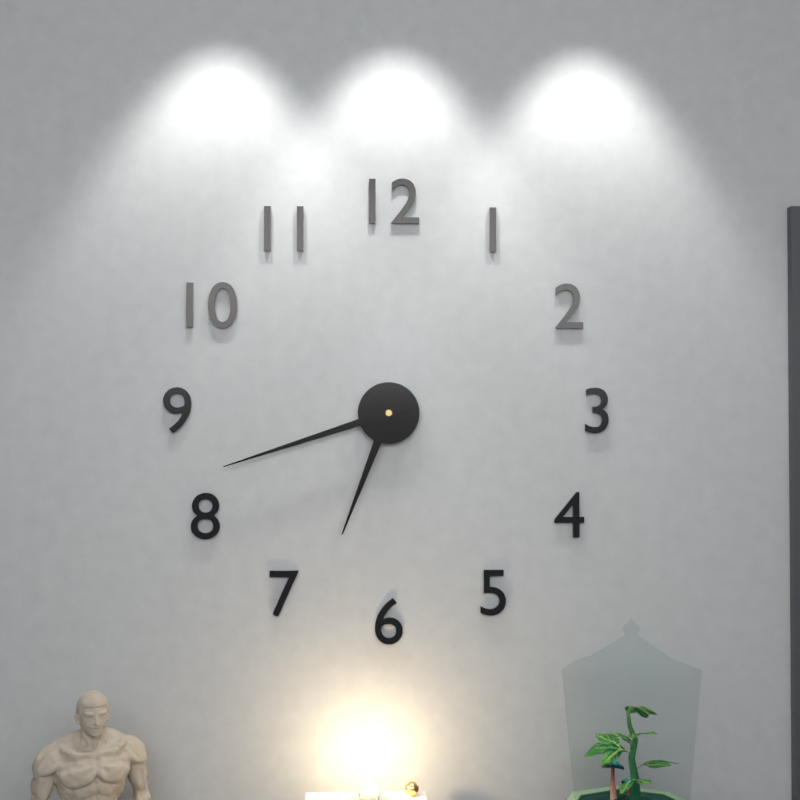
{"hour": 6, "minute": 42}
